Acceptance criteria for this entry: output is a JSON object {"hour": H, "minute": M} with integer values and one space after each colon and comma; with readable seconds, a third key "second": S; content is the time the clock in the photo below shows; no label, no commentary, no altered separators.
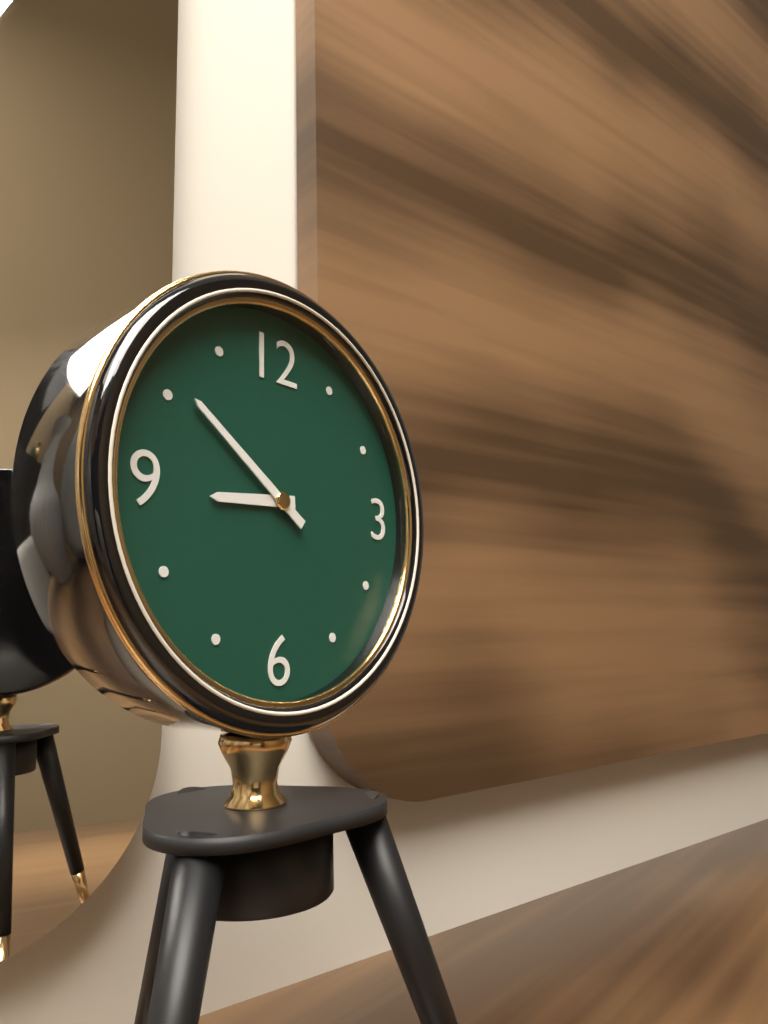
{"hour": 8, "minute": 51}
